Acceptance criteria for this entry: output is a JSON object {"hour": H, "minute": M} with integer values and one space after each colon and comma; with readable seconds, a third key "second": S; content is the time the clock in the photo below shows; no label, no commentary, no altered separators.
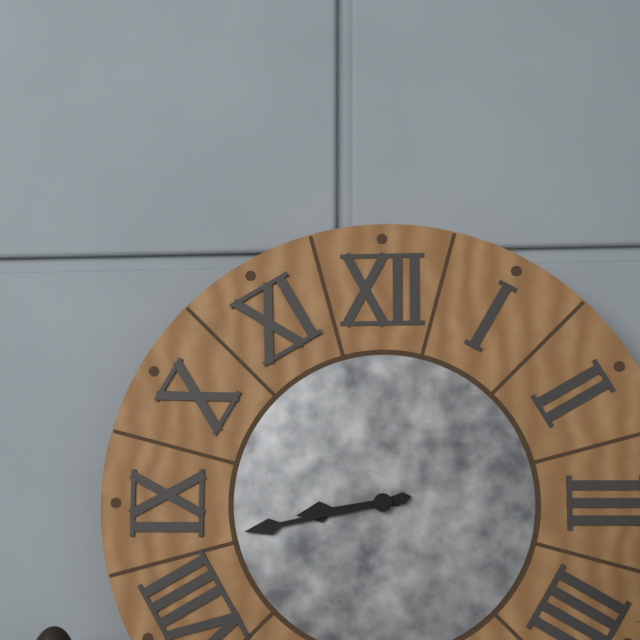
{"hour": 8, "minute": 43}
